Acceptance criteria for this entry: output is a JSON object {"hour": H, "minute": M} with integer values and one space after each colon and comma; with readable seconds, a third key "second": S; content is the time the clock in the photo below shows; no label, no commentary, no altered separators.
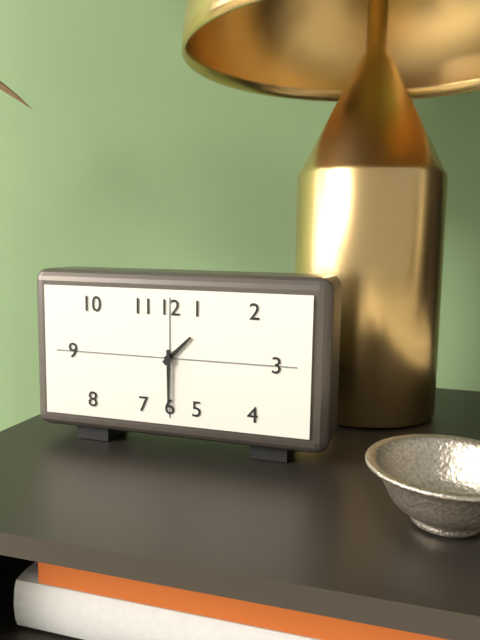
{"hour": 1, "minute": 30}
